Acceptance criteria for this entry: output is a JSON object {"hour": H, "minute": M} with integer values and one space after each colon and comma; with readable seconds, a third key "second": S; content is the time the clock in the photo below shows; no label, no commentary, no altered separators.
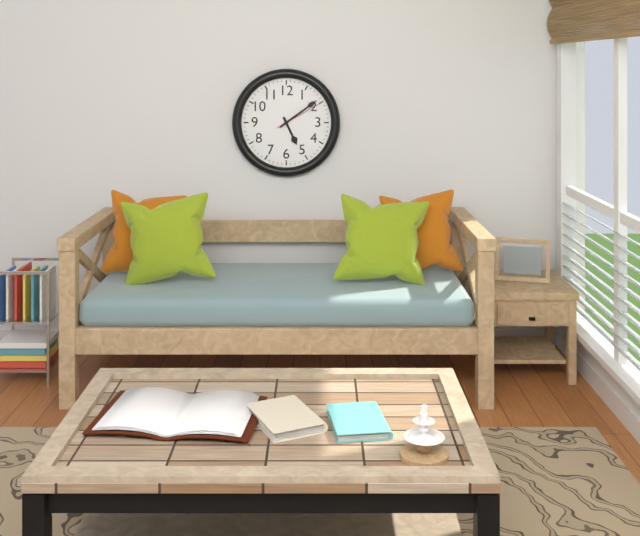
{"hour": 5, "minute": 9, "second": 10}
